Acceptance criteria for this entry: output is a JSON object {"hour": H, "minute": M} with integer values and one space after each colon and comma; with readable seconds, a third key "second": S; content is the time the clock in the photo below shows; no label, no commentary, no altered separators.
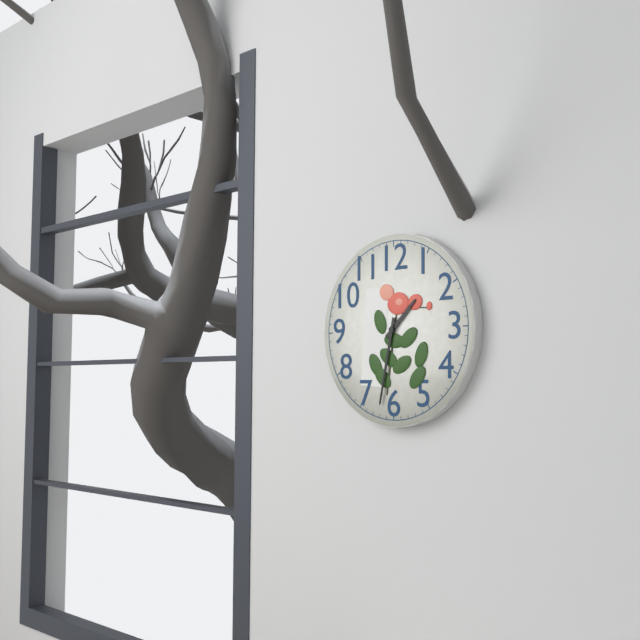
{"hour": 1, "minute": 32}
